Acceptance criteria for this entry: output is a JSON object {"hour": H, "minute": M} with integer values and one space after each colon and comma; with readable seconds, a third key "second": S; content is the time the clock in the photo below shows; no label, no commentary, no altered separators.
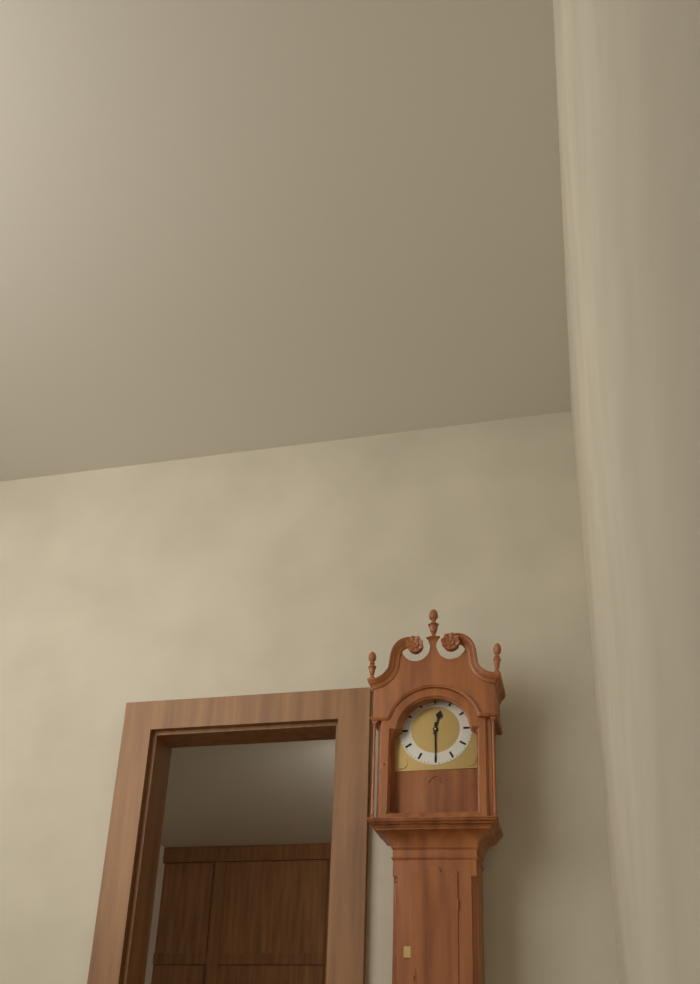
{"hour": 12, "minute": 30}
